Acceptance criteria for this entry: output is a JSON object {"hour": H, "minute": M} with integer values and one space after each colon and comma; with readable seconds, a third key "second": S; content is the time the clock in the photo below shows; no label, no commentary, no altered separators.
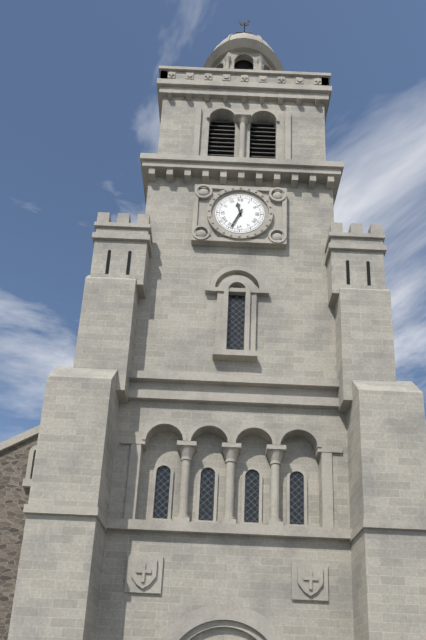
{"hour": 11, "minute": 34}
